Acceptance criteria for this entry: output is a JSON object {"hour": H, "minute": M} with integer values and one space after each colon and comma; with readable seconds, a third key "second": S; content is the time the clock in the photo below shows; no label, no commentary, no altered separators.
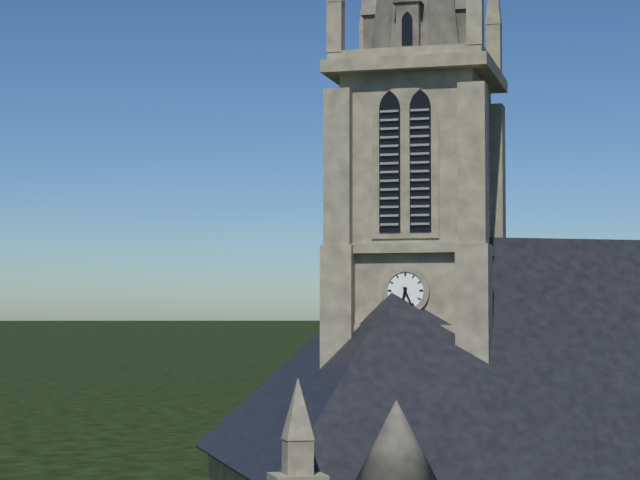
{"hour": 6, "minute": 26}
